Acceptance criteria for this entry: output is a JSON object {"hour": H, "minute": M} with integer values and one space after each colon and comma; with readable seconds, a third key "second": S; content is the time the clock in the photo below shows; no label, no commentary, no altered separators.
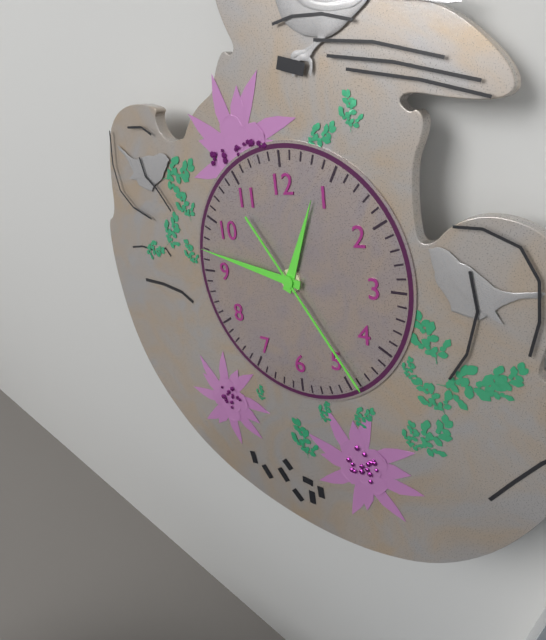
{"hour": 12, "minute": 47, "second": 24}
